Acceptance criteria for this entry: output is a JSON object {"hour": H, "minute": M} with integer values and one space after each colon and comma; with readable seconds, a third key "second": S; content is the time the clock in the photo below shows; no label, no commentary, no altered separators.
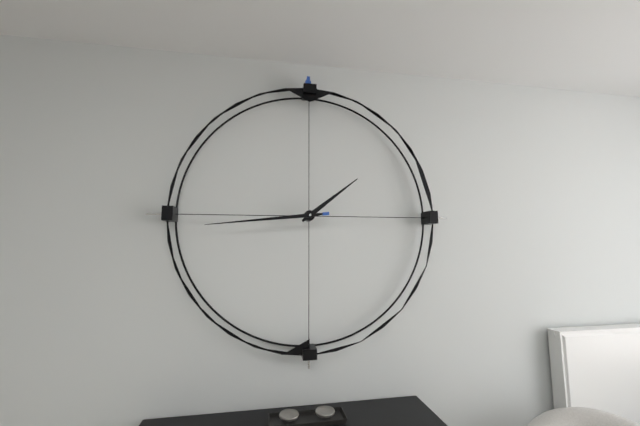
{"hour": 1, "minute": 44}
